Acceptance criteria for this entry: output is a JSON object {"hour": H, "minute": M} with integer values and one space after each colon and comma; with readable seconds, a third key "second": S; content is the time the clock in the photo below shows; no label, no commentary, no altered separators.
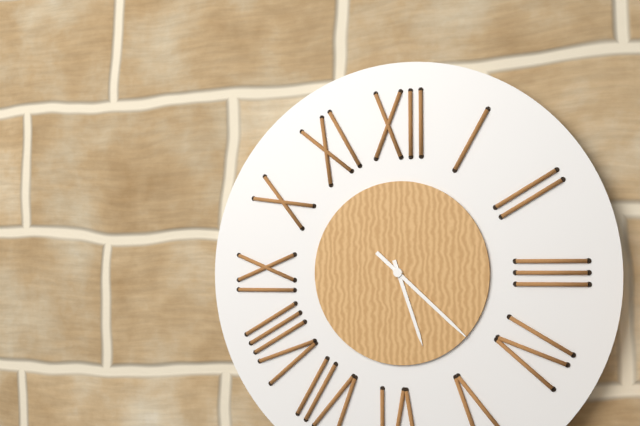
{"hour": 5, "minute": 22}
